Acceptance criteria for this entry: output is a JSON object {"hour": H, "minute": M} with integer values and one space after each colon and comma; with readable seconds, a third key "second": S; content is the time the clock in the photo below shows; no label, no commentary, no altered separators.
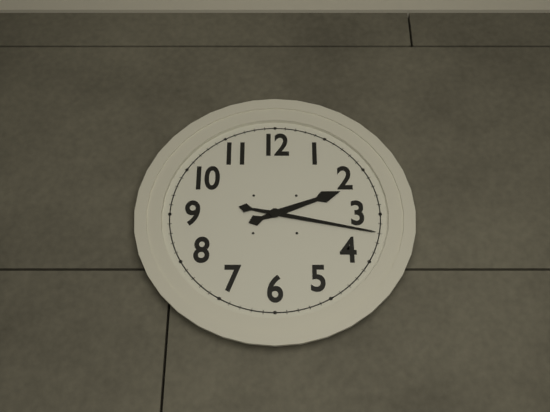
{"hour": 2, "minute": 17}
